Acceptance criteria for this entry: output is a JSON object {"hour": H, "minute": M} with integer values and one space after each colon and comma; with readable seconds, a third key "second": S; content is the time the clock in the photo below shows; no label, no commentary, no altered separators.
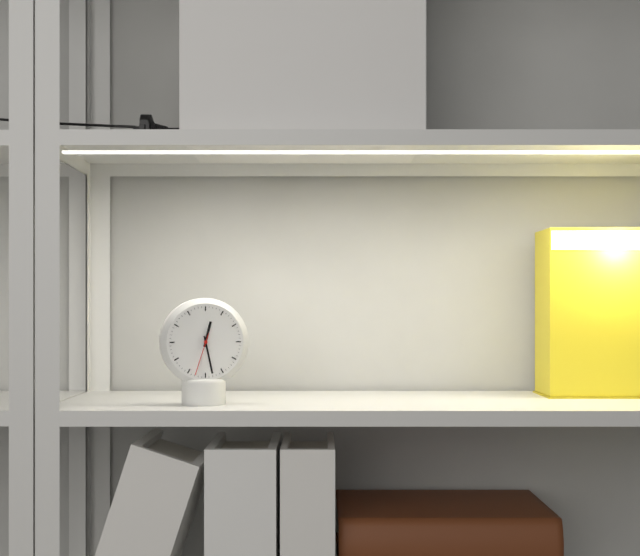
{"hour": 12, "minute": 28}
